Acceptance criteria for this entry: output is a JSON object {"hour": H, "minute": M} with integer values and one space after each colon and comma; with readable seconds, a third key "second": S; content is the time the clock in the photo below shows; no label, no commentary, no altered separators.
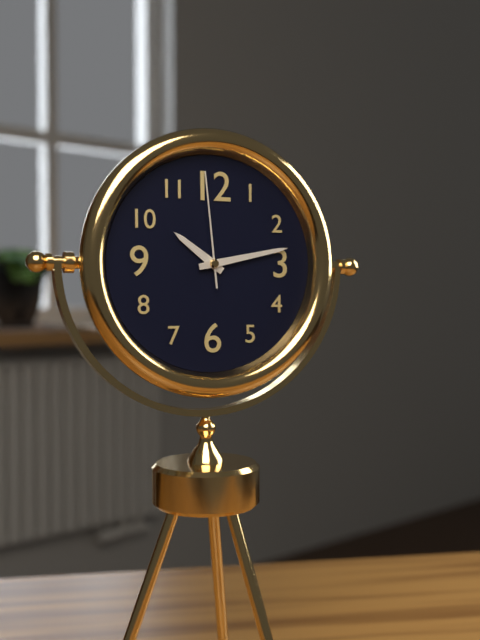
{"hour": 10, "minute": 13, "second": 59}
